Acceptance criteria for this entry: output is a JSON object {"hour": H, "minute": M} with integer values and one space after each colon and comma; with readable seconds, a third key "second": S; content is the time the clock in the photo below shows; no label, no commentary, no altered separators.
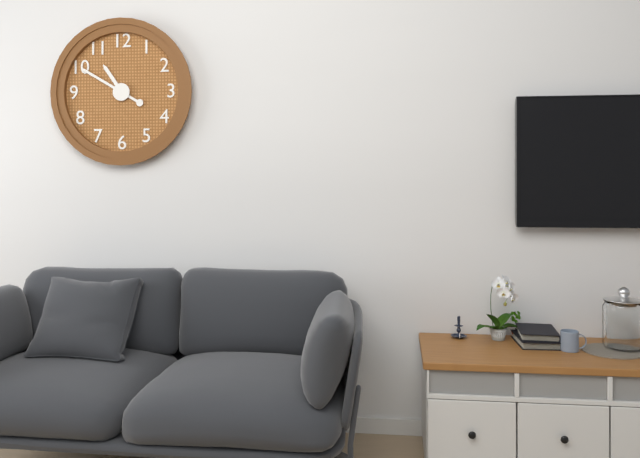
{"hour": 10, "minute": 50}
